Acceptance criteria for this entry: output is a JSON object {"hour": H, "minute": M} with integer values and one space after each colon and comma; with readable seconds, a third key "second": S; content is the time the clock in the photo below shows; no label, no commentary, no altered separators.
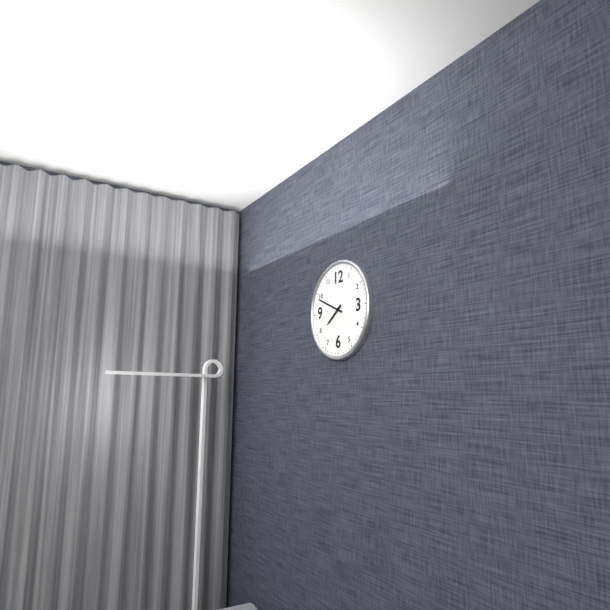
{"hour": 7, "minute": 49}
